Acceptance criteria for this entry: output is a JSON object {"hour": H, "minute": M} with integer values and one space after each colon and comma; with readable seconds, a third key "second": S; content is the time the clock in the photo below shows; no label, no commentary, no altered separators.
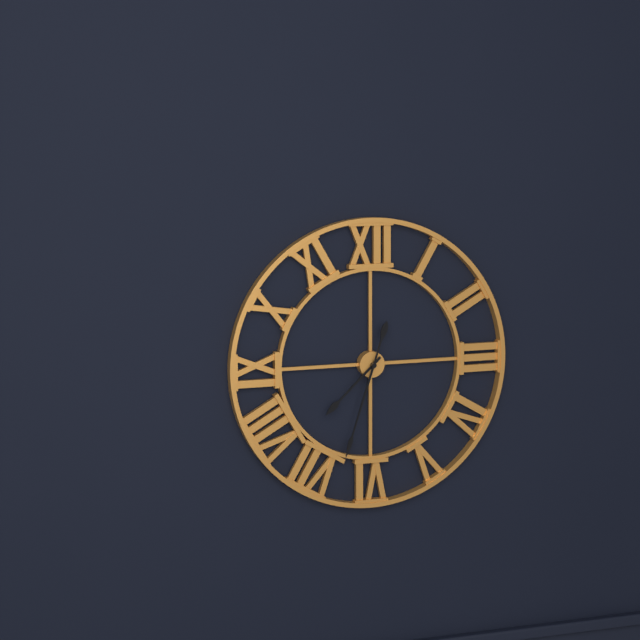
{"hour": 7, "minute": 33}
